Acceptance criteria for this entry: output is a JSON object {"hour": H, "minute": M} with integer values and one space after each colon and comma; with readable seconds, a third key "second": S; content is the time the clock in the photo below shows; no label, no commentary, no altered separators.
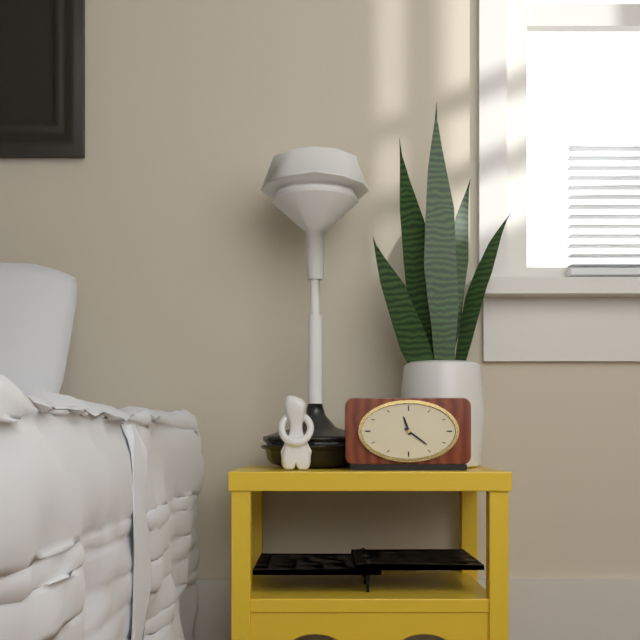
{"hour": 11, "minute": 21}
